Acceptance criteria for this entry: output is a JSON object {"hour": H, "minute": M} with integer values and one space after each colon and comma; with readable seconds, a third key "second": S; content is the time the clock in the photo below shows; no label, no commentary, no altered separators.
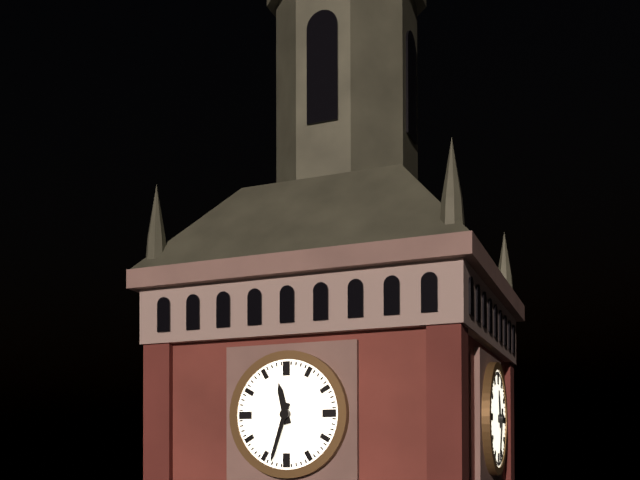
{"hour": 11, "minute": 33}
